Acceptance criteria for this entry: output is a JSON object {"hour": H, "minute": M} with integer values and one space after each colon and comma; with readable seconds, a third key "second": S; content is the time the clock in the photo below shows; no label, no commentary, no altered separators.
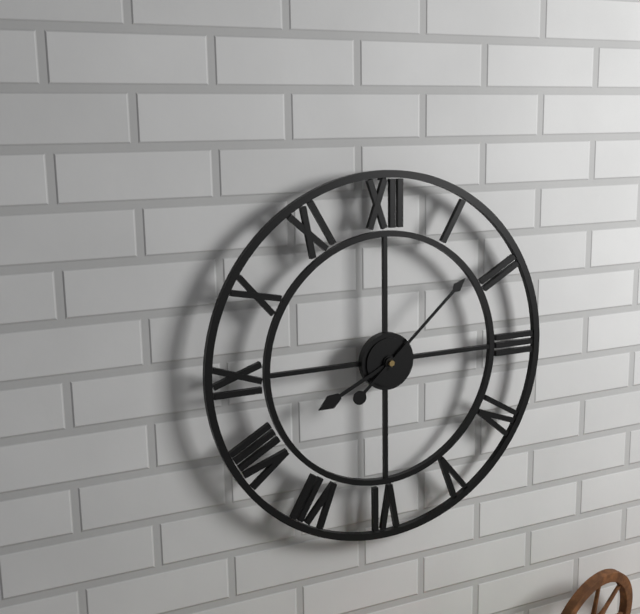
{"hour": 8, "minute": 8}
